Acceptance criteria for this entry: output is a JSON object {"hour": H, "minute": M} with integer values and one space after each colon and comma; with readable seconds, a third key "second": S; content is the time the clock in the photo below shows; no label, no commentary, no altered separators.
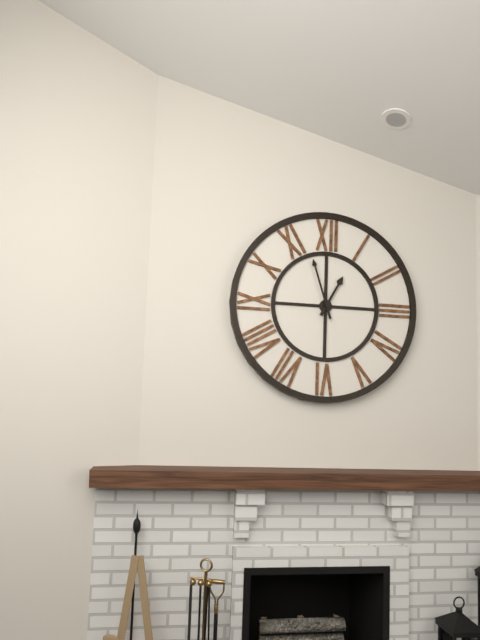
{"hour": 12, "minute": 57}
